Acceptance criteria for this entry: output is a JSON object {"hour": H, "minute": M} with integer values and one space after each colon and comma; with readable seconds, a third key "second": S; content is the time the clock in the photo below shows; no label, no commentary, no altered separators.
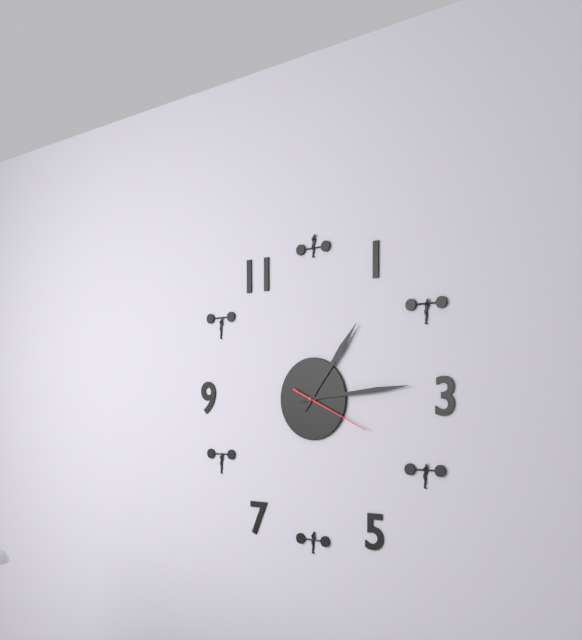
{"hour": 1, "minute": 14, "second": 19}
